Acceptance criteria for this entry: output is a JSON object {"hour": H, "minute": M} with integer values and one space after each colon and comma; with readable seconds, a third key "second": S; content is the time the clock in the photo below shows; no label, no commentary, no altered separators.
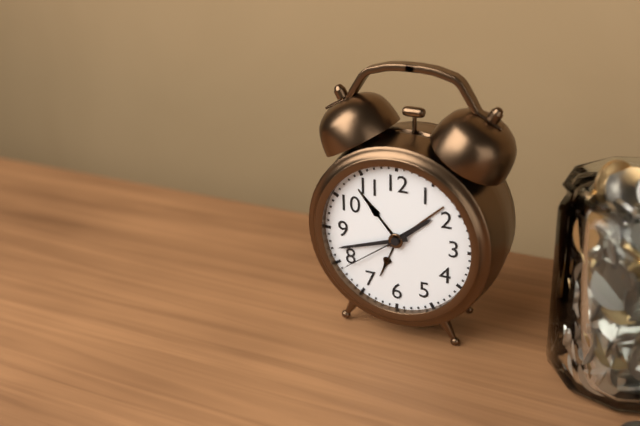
{"hour": 1, "minute": 42, "second": 39}
